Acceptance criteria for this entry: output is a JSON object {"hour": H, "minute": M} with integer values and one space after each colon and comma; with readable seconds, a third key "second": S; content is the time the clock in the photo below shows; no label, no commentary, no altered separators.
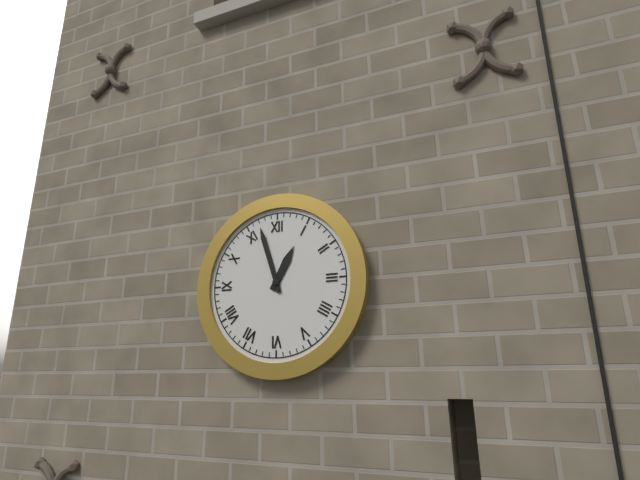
{"hour": 12, "minute": 57}
